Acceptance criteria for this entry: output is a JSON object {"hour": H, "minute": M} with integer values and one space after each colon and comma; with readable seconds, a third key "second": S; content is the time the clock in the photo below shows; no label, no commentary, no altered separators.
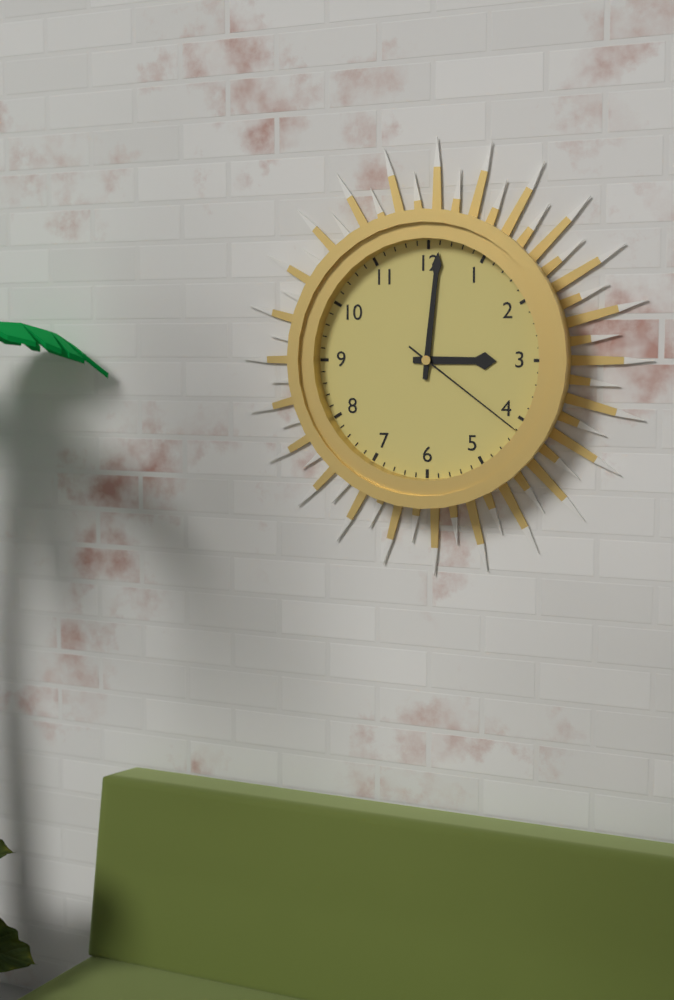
{"hour": 3, "minute": 1, "second": 21}
